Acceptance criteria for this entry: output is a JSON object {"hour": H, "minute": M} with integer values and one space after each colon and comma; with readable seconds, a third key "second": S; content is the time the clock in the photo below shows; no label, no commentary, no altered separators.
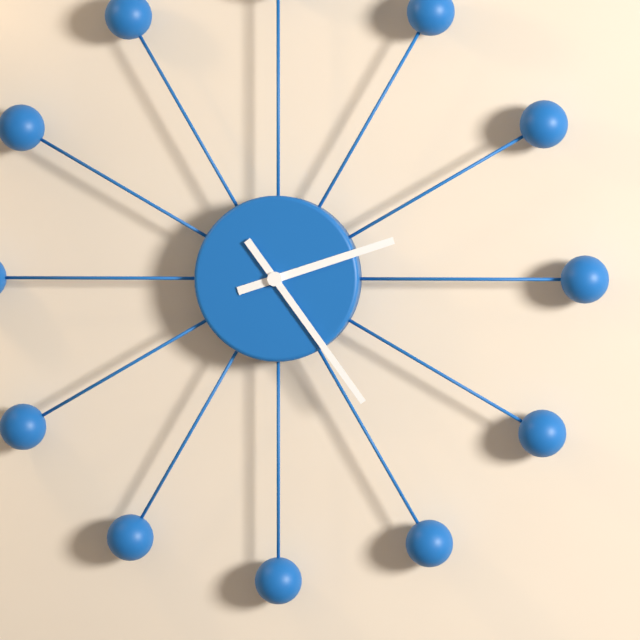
{"hour": 2, "minute": 24}
